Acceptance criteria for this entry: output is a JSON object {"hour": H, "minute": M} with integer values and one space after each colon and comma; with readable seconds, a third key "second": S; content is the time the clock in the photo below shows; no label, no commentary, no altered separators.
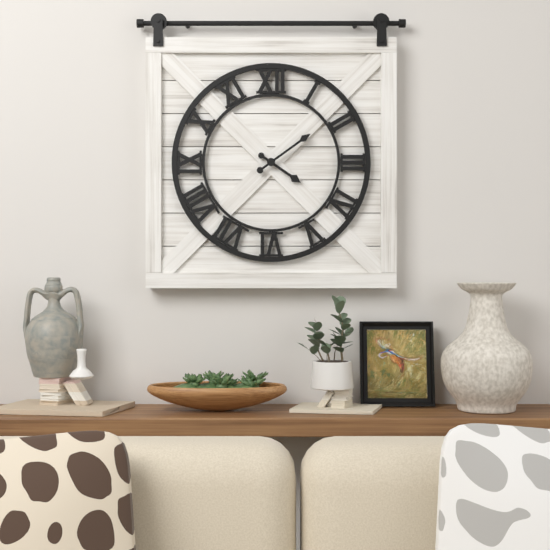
{"hour": 4, "minute": 9}
